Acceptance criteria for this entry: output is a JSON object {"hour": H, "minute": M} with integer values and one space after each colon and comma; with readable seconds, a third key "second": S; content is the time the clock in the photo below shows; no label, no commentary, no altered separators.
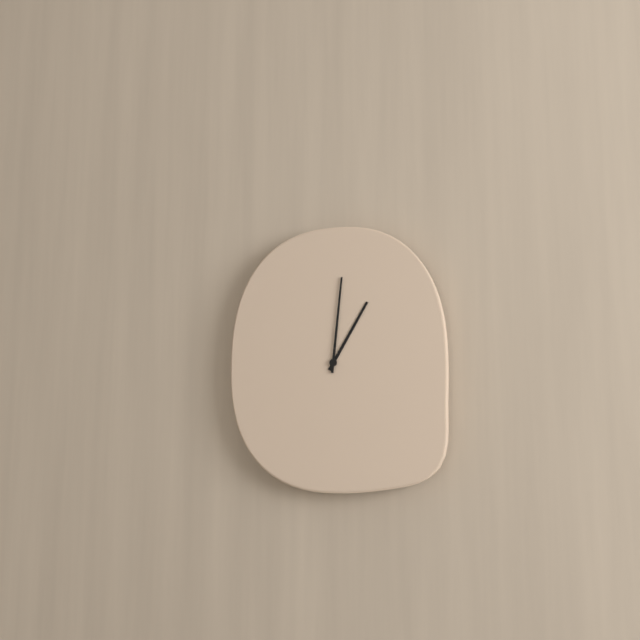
{"hour": 1, "minute": 1}
